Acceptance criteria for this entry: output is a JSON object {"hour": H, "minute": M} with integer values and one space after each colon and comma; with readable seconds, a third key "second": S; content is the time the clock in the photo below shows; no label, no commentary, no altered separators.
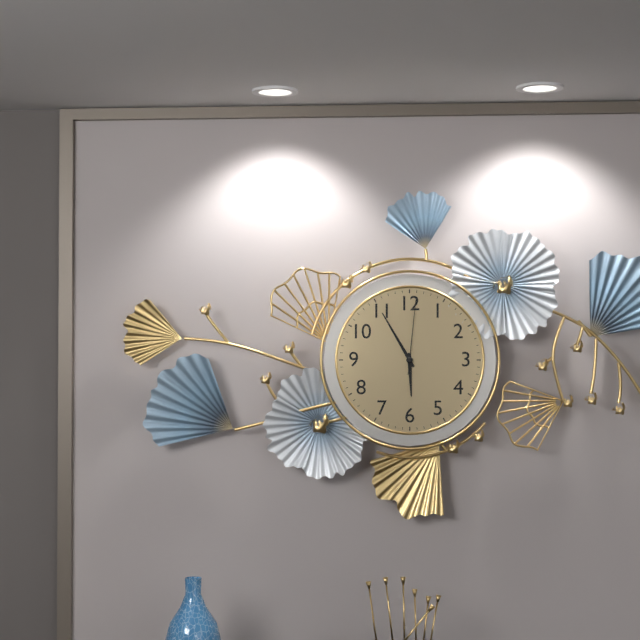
{"hour": 5, "minute": 55, "second": 1}
